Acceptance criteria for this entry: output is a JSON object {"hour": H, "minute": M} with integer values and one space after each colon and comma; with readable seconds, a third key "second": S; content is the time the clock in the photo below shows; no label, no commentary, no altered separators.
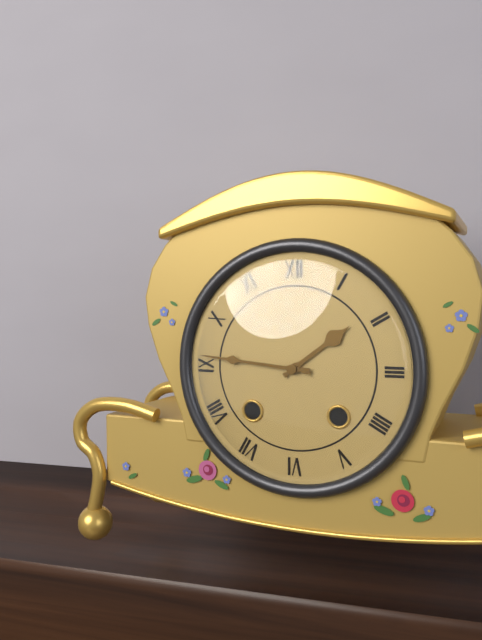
{"hour": 1, "minute": 46}
